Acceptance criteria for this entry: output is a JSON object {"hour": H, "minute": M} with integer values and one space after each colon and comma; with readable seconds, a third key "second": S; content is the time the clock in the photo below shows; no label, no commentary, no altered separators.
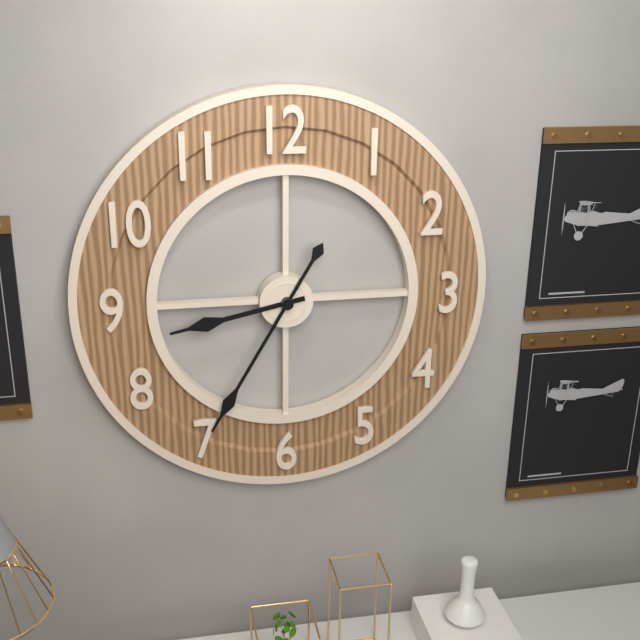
{"hour": 8, "minute": 35}
